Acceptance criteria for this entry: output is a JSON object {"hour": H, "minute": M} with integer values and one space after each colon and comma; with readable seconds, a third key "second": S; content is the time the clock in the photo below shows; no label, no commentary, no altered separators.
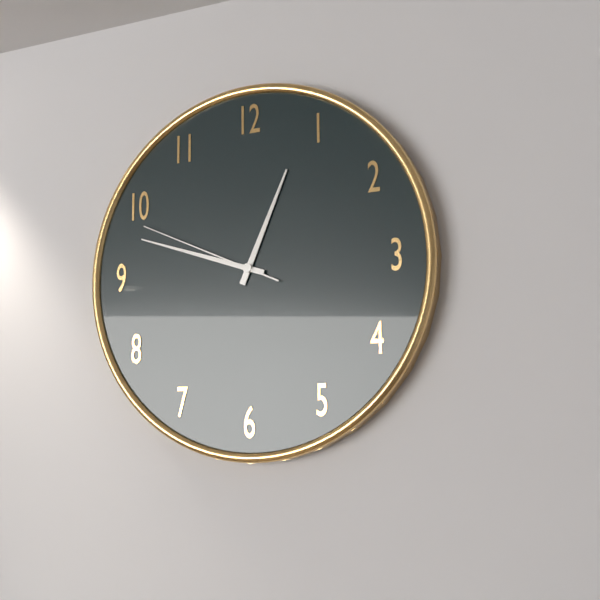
{"hour": 12, "minute": 48, "second": 49}
